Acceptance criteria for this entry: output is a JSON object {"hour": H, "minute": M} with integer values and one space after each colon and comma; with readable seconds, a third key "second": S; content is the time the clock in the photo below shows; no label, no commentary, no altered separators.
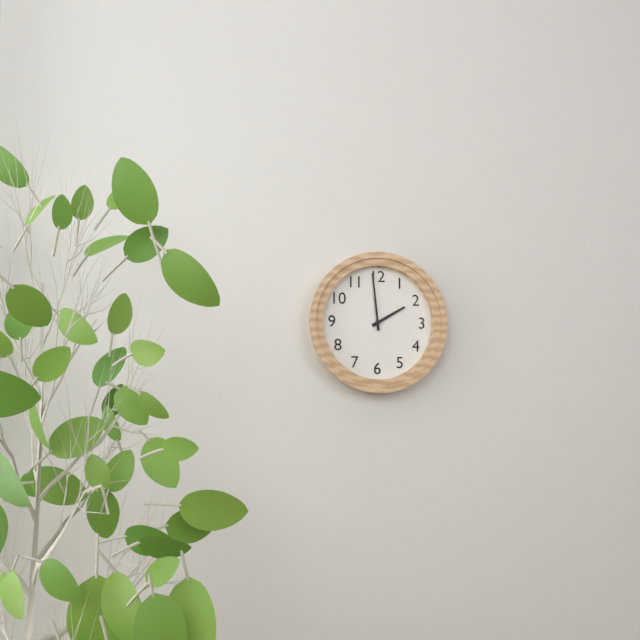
{"hour": 1, "minute": 59}
